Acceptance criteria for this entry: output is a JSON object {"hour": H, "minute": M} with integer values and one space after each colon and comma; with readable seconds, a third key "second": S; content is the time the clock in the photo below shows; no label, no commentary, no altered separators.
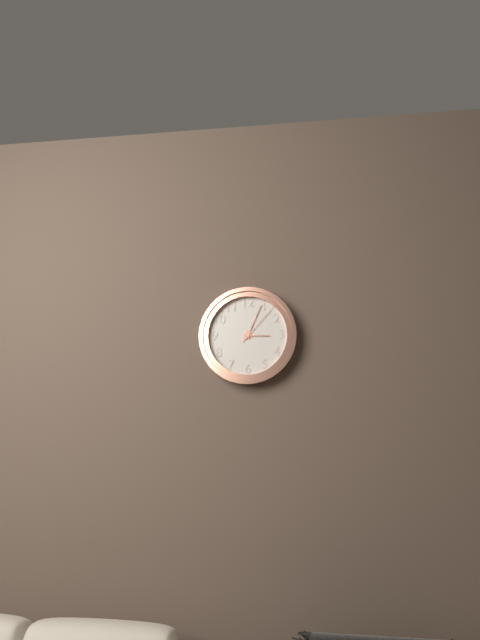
{"hour": 3, "minute": 4}
